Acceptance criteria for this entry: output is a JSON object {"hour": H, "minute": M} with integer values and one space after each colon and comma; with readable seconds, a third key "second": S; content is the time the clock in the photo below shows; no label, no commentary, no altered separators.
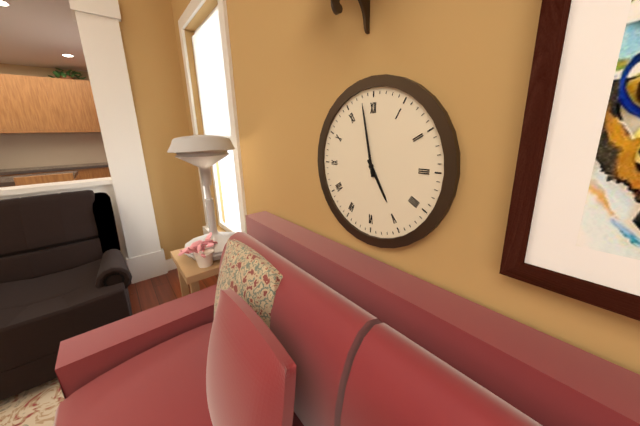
{"hour": 4, "minute": 58}
